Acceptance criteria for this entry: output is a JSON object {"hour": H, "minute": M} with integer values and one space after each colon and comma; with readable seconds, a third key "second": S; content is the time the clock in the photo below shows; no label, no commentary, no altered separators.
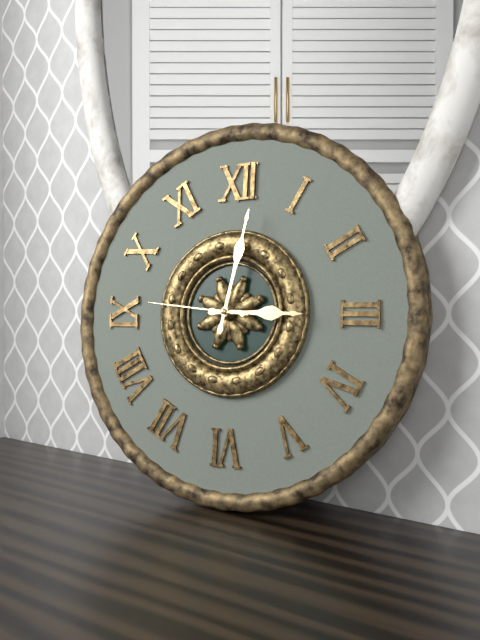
{"hour": 3, "minute": 2, "second": 46}
